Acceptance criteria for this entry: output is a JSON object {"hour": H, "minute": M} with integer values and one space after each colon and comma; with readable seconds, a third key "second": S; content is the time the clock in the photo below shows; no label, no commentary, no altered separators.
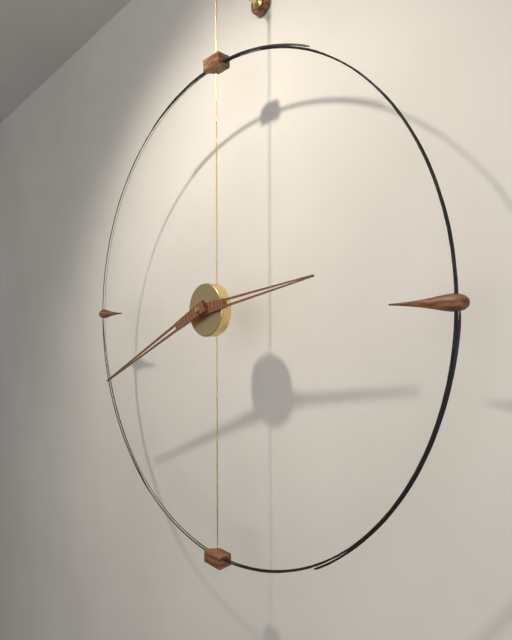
{"hour": 2, "minute": 41}
